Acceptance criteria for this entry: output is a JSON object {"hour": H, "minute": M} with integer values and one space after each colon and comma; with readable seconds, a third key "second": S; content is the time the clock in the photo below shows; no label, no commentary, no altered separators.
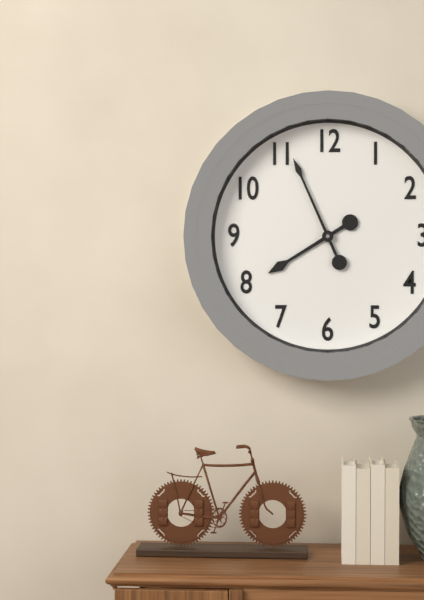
{"hour": 7, "minute": 56}
